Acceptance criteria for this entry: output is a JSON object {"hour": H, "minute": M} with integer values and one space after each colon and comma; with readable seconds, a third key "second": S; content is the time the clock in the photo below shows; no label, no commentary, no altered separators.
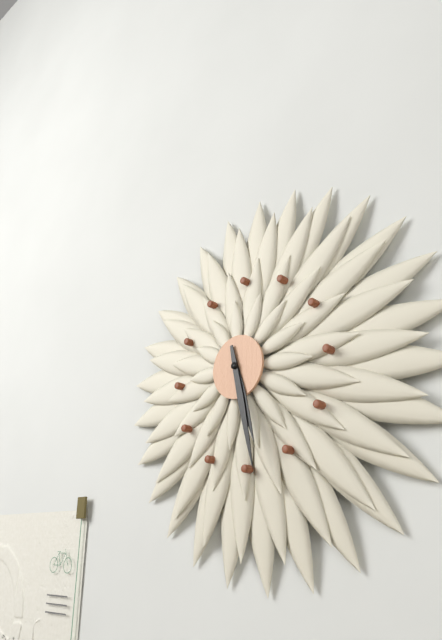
{"hour": 5, "minute": 28}
